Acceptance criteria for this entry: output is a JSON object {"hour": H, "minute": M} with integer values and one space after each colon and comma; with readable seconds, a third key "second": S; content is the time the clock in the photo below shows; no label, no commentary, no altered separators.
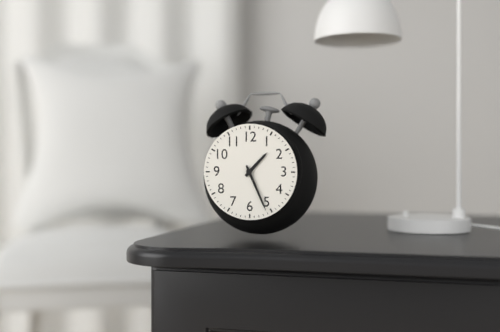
{"hour": 1, "minute": 26}
